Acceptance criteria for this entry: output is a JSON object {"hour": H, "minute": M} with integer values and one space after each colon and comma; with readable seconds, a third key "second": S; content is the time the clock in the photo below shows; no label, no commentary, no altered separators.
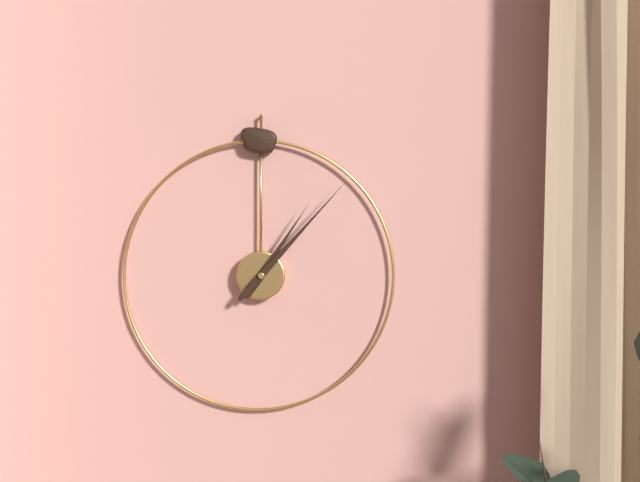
{"hour": 1, "minute": 7}
